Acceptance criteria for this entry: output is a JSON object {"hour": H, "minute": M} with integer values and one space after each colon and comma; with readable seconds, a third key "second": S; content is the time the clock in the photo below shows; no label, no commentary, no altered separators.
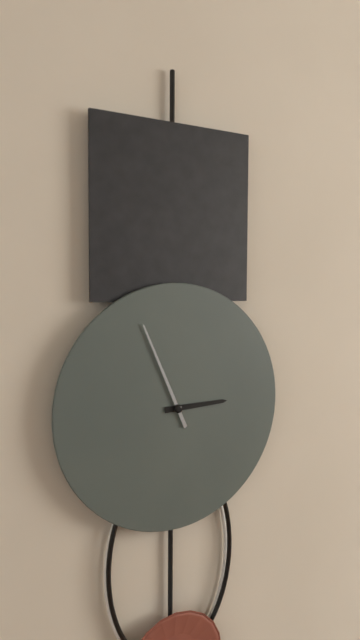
{"hour": 2, "minute": 56}
